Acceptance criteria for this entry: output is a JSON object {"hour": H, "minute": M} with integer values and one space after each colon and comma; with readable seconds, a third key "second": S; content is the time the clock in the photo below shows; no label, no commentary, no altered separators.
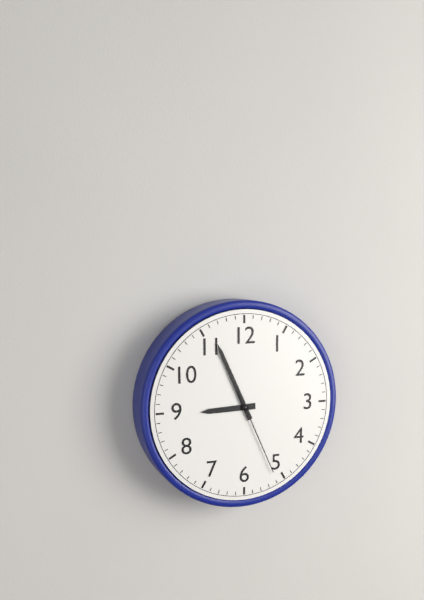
{"hour": 8, "minute": 56, "second": 26}
